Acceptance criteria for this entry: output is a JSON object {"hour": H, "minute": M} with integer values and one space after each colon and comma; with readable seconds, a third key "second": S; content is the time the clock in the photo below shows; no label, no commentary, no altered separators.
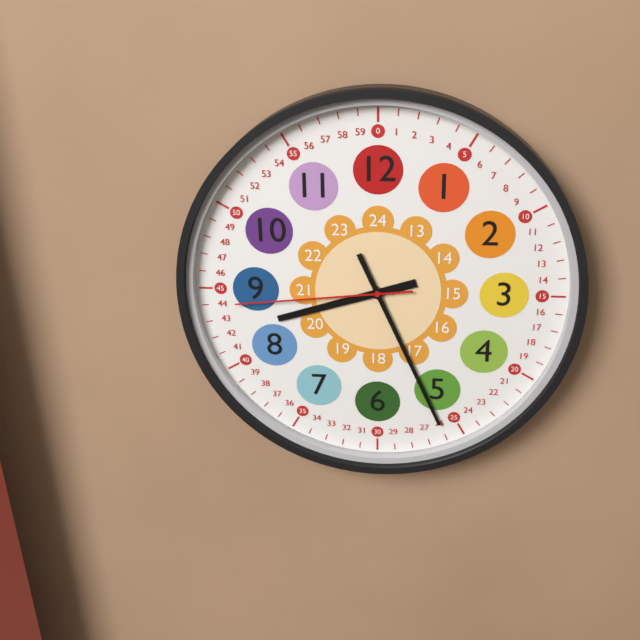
{"hour": 8, "minute": 26, "second": 44}
